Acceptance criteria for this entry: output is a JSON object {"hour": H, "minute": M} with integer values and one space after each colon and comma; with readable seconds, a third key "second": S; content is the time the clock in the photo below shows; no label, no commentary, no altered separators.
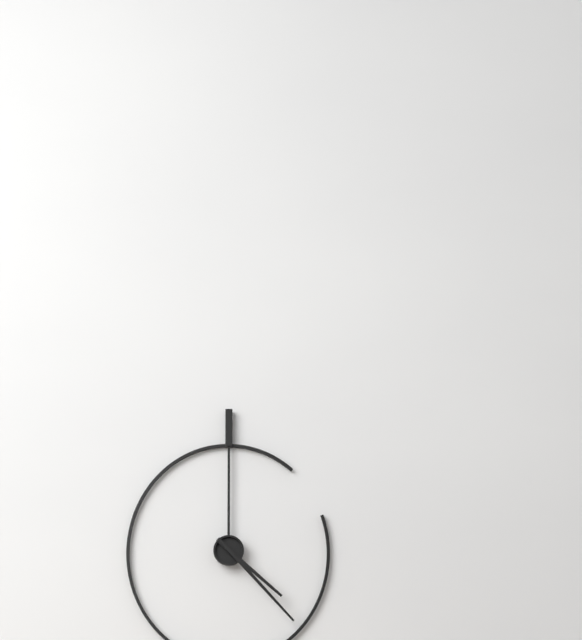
{"hour": 4, "minute": 23}
